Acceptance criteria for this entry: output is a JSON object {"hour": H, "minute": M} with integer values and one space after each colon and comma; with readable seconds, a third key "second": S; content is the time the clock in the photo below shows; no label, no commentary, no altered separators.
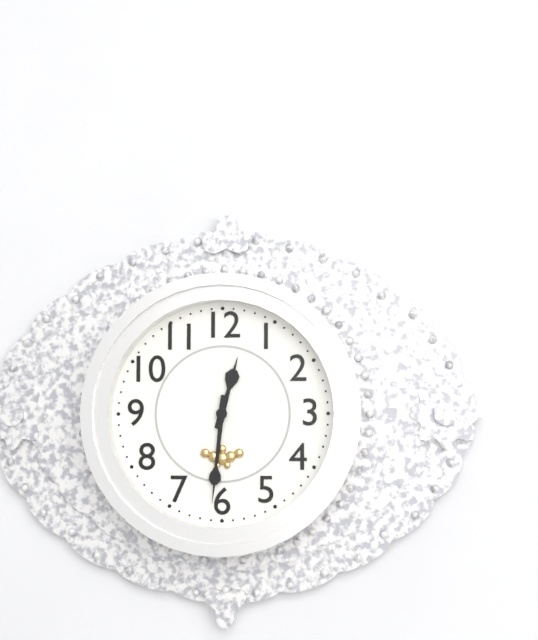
{"hour": 12, "minute": 31}
